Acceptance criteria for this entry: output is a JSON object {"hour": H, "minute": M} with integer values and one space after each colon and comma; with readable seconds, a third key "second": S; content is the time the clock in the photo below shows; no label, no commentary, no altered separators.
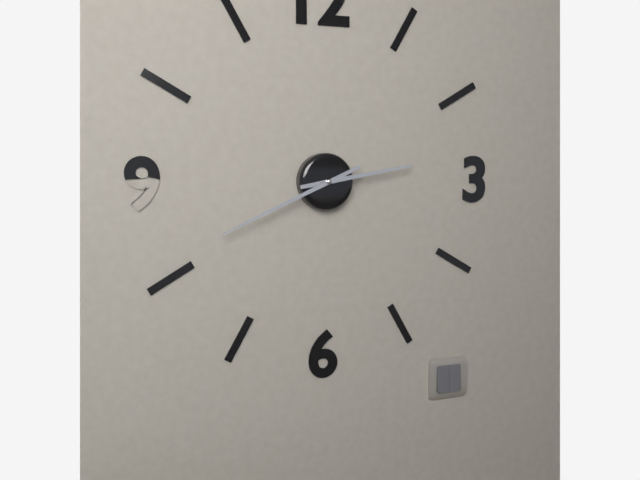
{"hour": 2, "minute": 41}
